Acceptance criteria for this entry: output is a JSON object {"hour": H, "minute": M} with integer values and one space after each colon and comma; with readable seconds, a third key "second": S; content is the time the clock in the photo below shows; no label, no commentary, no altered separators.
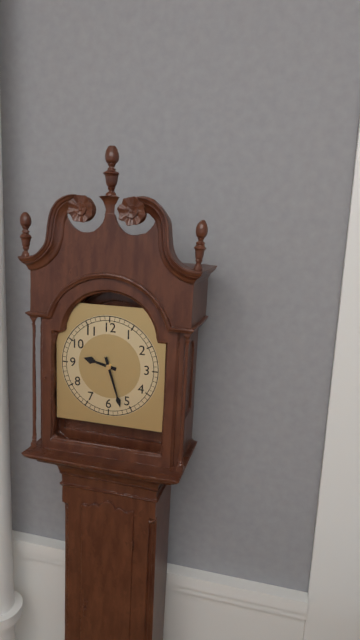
{"hour": 9, "minute": 27}
